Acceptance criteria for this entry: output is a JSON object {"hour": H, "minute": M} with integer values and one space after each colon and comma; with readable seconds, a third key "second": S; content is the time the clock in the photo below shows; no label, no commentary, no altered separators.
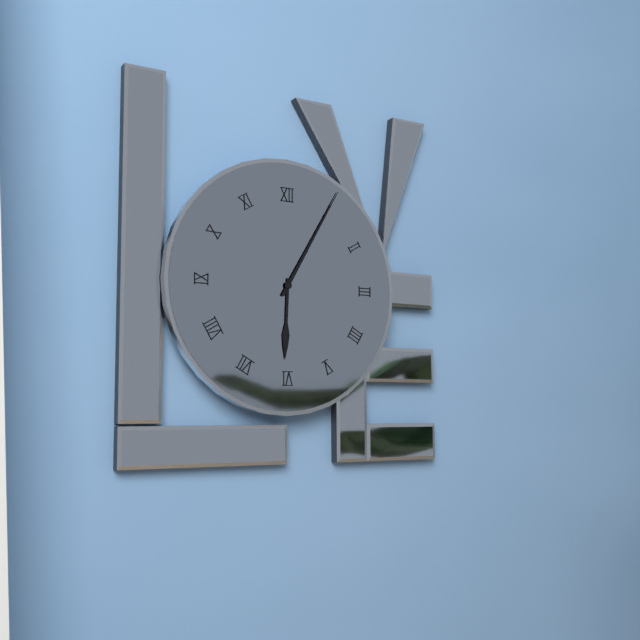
{"hour": 6, "minute": 5}
